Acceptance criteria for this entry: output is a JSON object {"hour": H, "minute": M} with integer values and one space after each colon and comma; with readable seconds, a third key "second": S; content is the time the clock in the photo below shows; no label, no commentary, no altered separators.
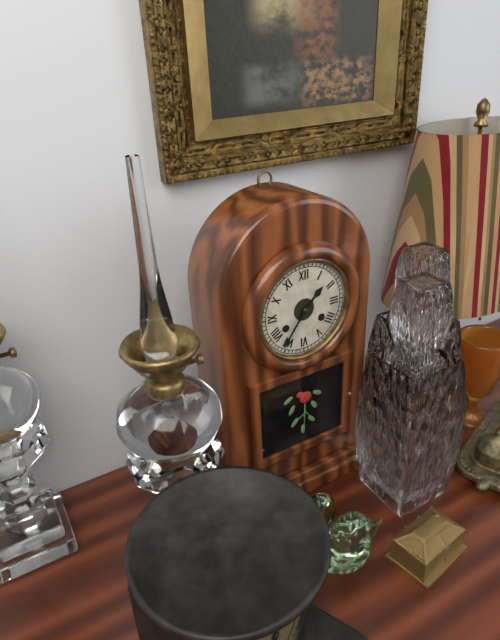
{"hour": 1, "minute": 36}
